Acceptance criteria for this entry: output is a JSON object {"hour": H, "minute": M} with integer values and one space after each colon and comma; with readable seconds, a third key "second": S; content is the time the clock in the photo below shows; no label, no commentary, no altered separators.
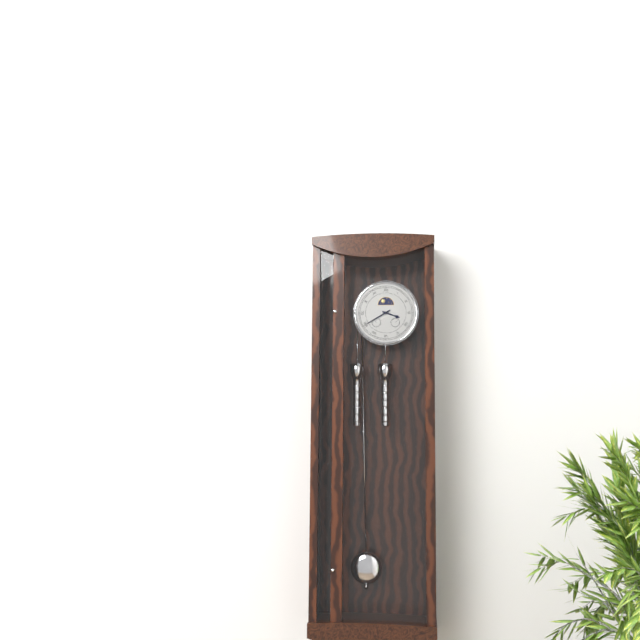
{"hour": 3, "minute": 40}
